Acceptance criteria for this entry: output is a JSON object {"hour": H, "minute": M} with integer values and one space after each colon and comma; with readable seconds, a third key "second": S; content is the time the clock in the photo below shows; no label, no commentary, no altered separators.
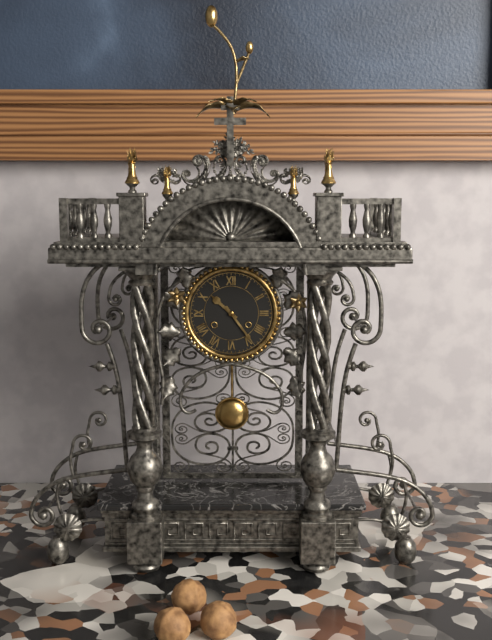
{"hour": 10, "minute": 24}
